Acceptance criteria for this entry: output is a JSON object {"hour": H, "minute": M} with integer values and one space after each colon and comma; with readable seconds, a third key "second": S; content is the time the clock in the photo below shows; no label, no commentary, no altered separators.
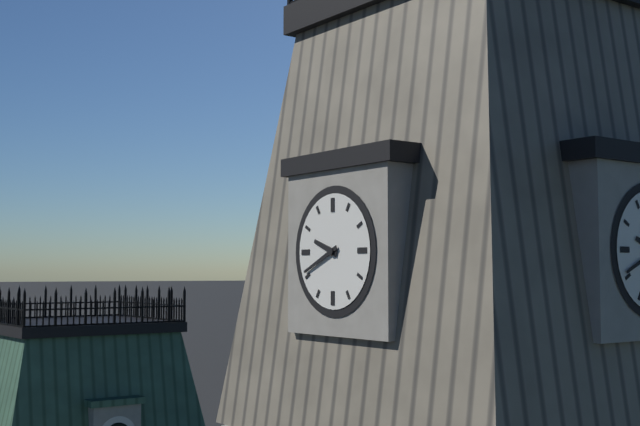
{"hour": 9, "minute": 41}
